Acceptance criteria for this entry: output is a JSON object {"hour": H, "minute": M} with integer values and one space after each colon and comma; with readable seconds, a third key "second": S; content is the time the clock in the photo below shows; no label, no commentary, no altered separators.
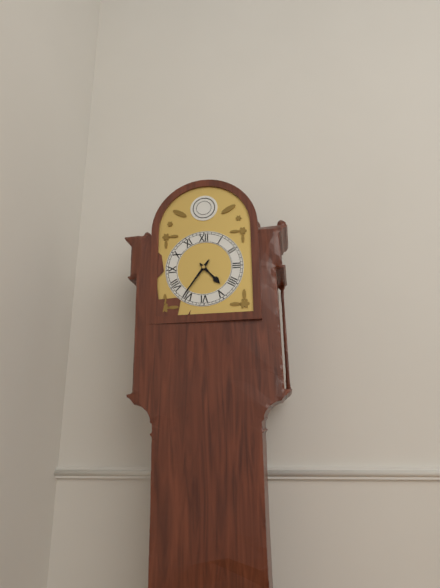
{"hour": 4, "minute": 36}
